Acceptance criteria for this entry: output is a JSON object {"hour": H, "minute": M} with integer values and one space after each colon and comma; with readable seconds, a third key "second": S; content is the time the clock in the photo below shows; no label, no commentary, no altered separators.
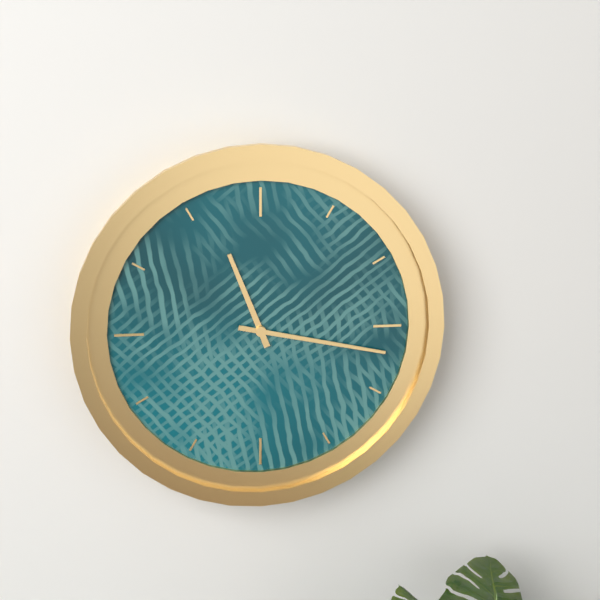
{"hour": 11, "minute": 17}
